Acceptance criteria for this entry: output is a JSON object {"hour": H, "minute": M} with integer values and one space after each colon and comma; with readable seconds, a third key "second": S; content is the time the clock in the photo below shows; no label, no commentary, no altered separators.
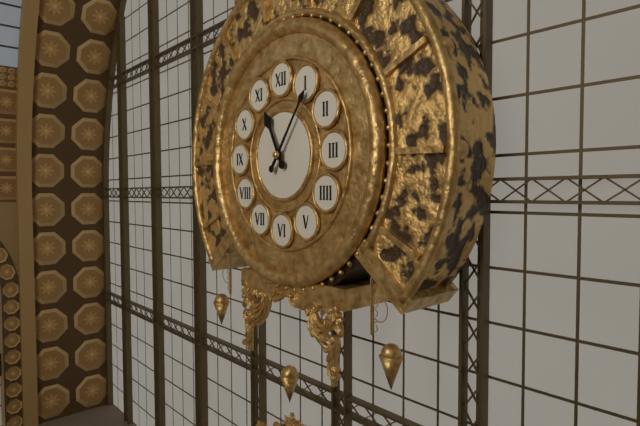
{"hour": 11, "minute": 6}
